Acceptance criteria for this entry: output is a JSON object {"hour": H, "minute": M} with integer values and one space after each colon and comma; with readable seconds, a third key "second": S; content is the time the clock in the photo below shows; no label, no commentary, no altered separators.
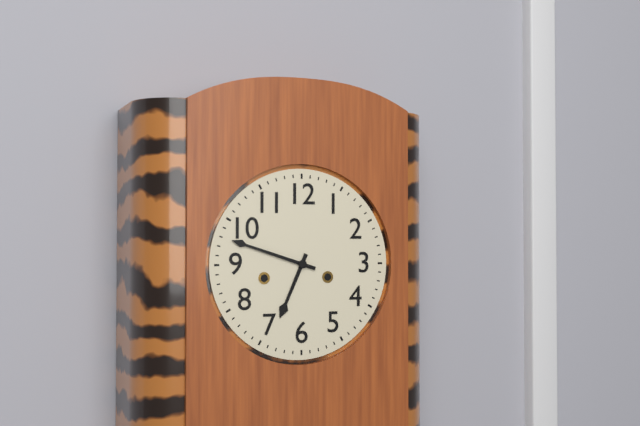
{"hour": 6, "minute": 48}
